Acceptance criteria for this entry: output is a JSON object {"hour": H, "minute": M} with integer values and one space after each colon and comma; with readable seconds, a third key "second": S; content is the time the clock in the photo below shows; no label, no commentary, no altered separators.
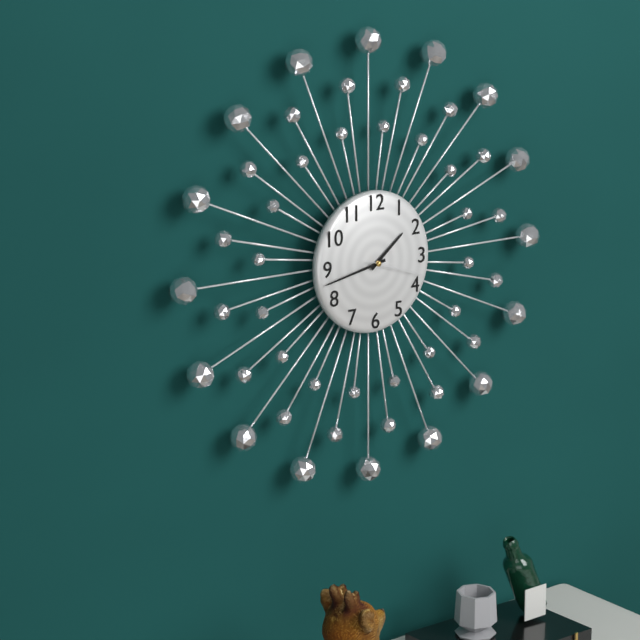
{"hour": 1, "minute": 43, "second": 18}
